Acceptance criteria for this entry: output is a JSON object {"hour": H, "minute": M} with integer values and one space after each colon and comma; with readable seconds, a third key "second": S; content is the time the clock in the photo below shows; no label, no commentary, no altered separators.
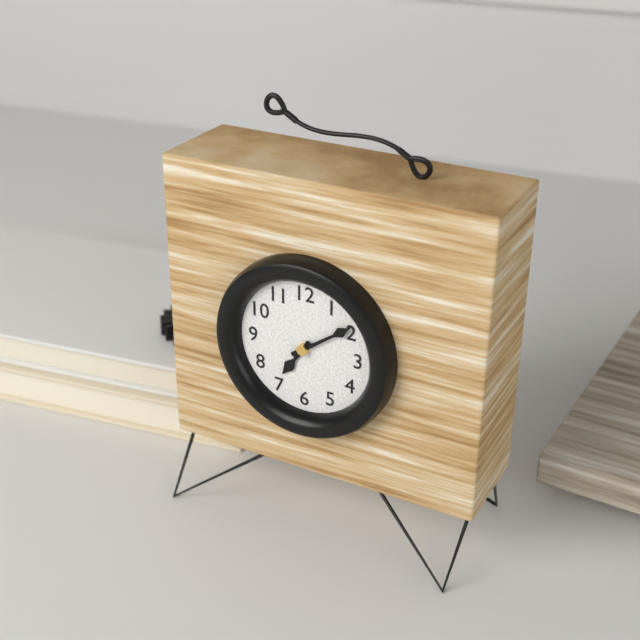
{"hour": 7, "minute": 9}
